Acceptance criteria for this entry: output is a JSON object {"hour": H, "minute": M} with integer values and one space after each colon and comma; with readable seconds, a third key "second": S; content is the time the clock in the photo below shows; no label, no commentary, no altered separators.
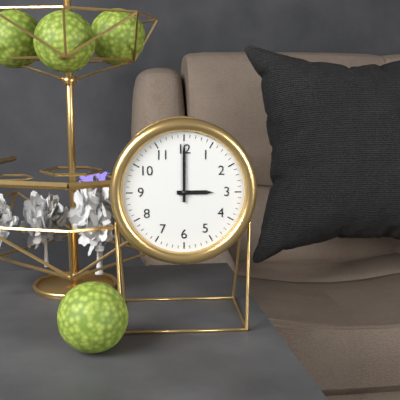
{"hour": 3, "minute": 0}
